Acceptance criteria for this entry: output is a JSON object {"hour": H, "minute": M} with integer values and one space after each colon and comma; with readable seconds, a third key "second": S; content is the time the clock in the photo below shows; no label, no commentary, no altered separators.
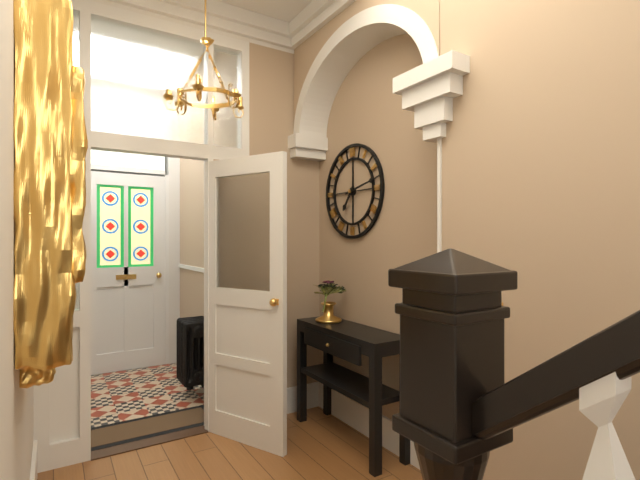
{"hour": 7, "minute": 13}
